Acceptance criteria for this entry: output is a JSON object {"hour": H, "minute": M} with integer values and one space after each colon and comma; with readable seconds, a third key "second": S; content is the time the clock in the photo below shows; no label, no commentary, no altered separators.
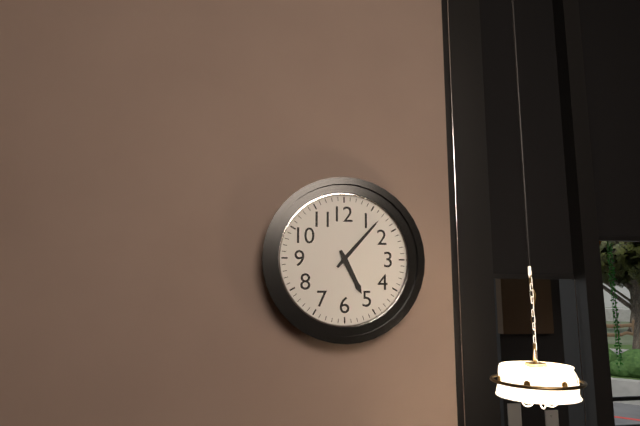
{"hour": 5, "minute": 7}
